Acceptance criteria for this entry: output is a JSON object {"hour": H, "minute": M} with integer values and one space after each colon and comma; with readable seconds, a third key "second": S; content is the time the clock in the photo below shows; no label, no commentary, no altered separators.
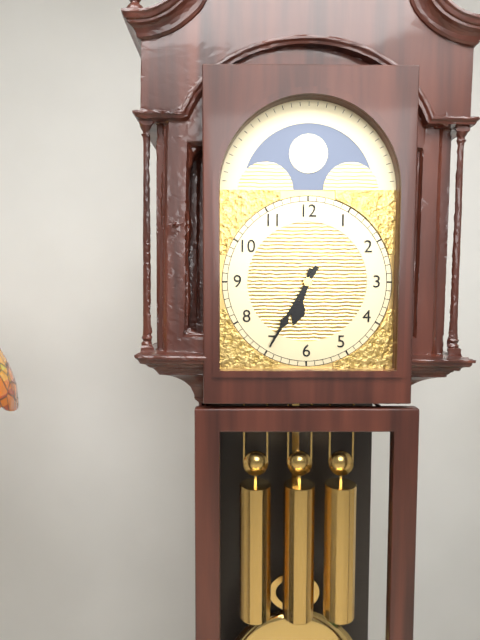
{"hour": 6, "minute": 35}
